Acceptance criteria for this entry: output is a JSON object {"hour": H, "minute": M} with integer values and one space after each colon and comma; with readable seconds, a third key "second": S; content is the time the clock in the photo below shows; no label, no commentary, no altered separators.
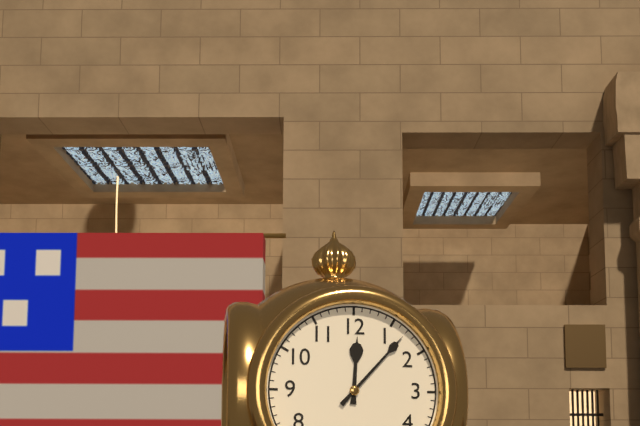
{"hour": 12, "minute": 7}
